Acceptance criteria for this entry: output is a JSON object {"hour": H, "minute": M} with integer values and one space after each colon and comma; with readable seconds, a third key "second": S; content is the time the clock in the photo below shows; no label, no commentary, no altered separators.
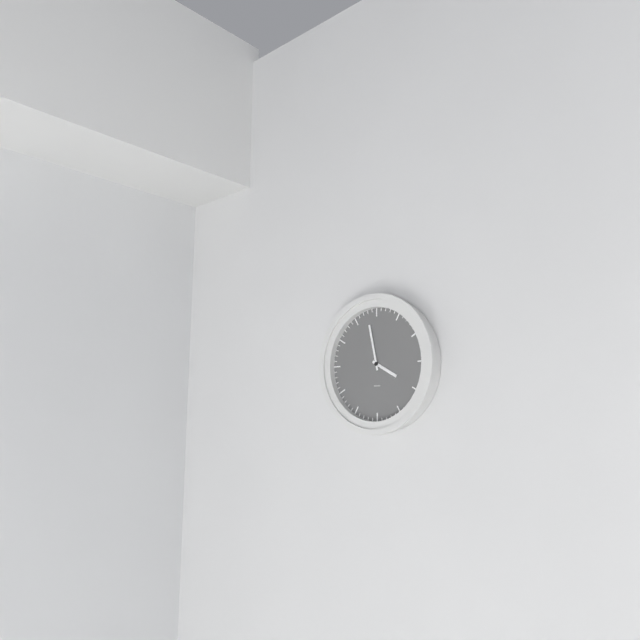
{"hour": 3, "minute": 58}
